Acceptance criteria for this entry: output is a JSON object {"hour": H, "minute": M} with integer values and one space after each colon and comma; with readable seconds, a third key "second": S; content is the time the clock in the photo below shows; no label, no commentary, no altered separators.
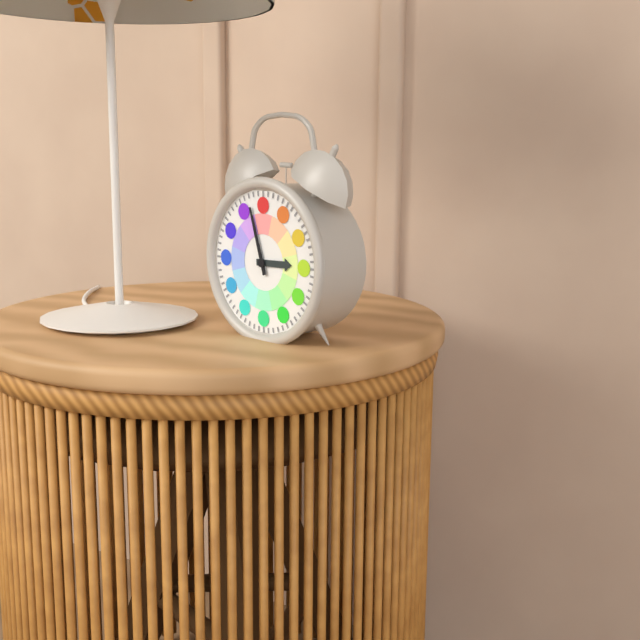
{"hour": 2, "minute": 57}
